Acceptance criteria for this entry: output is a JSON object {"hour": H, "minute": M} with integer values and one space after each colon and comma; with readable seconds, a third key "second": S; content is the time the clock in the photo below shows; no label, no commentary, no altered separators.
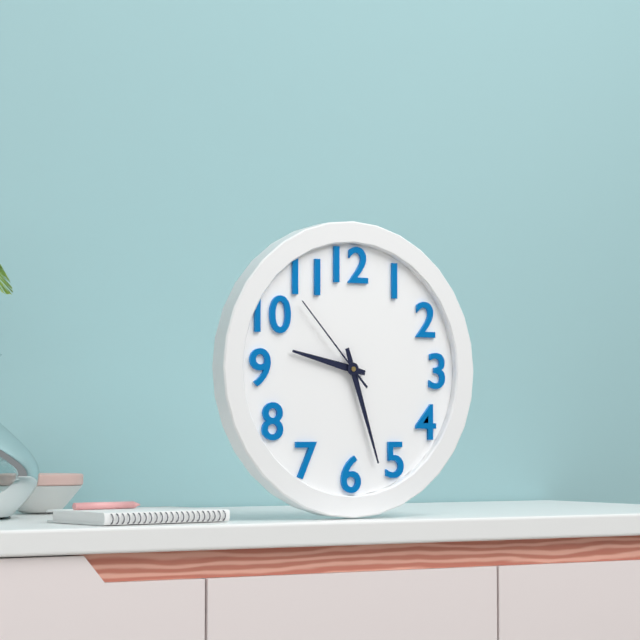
{"hour": 9, "minute": 27, "second": 53}
